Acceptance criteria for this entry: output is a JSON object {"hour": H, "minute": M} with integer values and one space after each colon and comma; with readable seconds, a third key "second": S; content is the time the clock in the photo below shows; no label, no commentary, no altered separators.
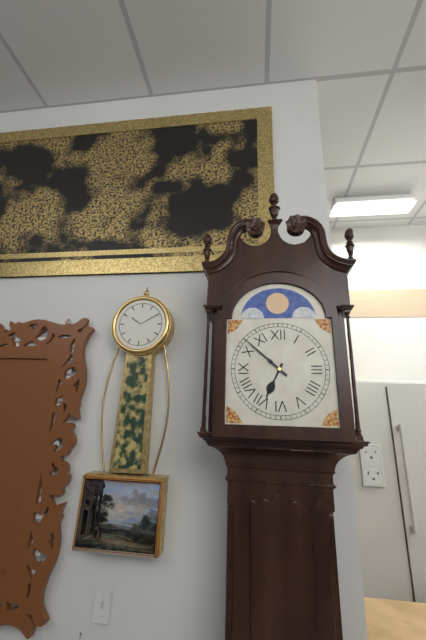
{"hour": 6, "minute": 52}
